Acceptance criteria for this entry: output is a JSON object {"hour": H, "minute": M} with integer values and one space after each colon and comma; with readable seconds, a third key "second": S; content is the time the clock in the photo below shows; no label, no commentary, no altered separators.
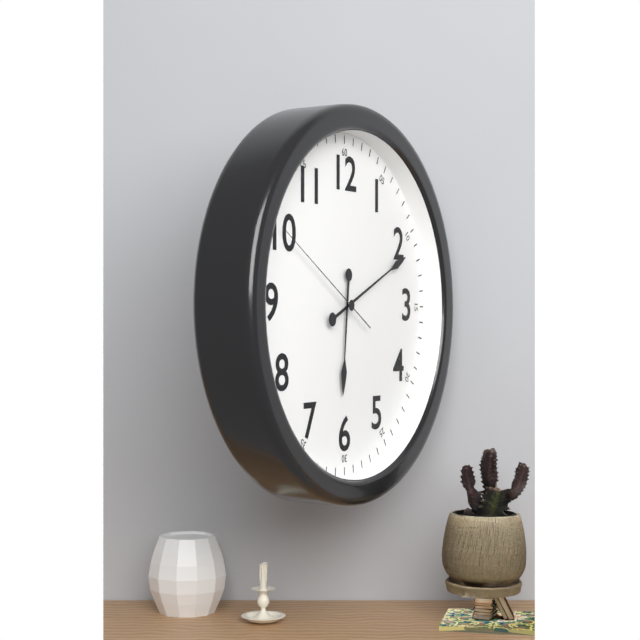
{"hour": 6, "minute": 11, "second": 50}
